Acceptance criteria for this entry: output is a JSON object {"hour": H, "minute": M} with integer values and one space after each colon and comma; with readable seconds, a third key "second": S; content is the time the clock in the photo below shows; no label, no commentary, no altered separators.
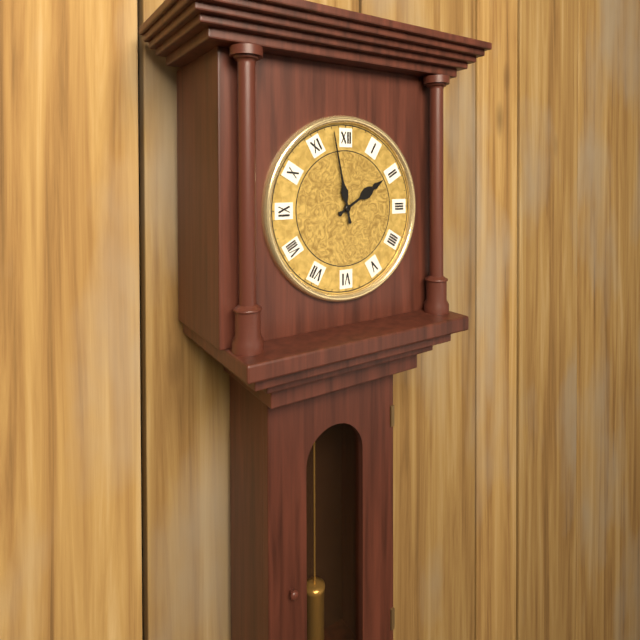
{"hour": 1, "minute": 58}
